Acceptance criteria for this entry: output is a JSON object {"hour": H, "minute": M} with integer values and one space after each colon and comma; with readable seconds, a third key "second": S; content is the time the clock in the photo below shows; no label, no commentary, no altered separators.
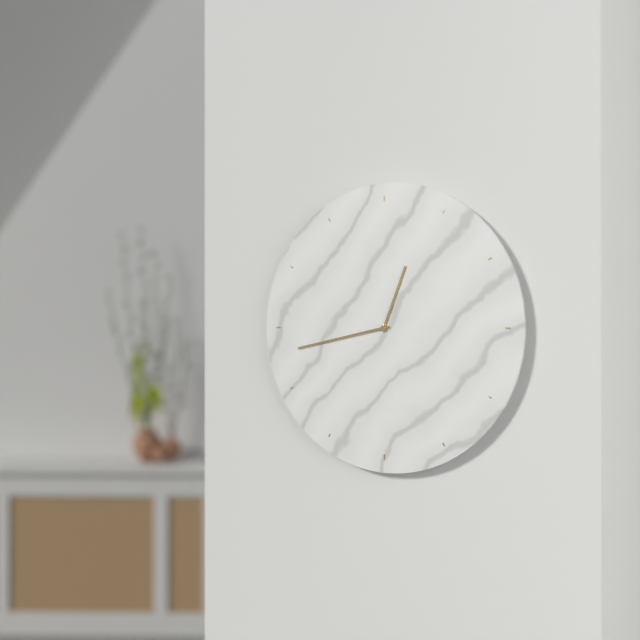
{"hour": 12, "minute": 43}
